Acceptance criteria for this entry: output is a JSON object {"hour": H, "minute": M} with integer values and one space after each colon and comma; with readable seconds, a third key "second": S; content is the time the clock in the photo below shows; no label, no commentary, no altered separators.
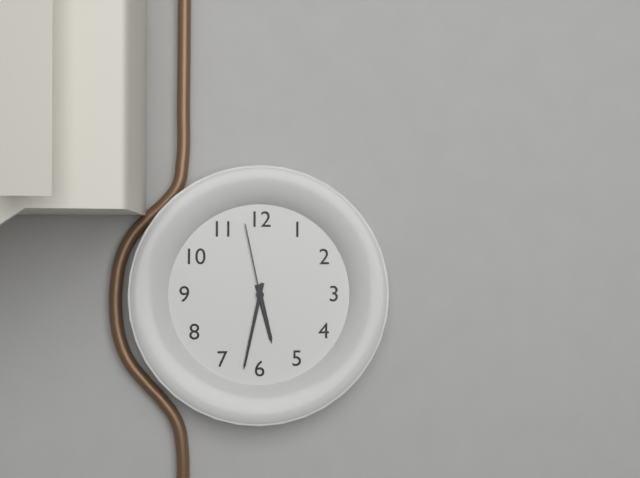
{"hour": 5, "minute": 32, "second": 58}
